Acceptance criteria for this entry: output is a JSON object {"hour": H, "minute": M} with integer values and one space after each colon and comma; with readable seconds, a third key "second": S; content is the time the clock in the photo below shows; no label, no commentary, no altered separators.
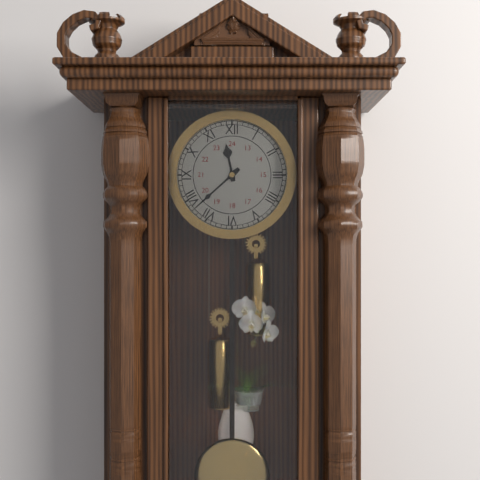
{"hour": 11, "minute": 38}
